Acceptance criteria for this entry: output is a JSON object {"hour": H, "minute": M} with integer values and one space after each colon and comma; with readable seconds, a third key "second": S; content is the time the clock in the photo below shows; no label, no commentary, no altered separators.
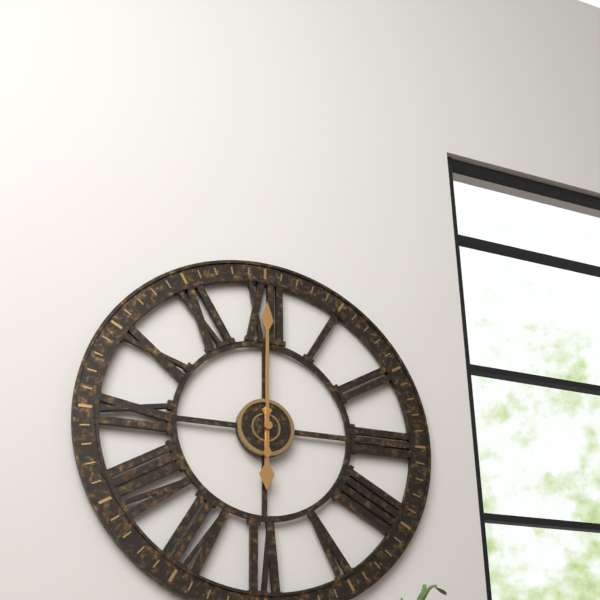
{"hour": 6, "minute": 0}
